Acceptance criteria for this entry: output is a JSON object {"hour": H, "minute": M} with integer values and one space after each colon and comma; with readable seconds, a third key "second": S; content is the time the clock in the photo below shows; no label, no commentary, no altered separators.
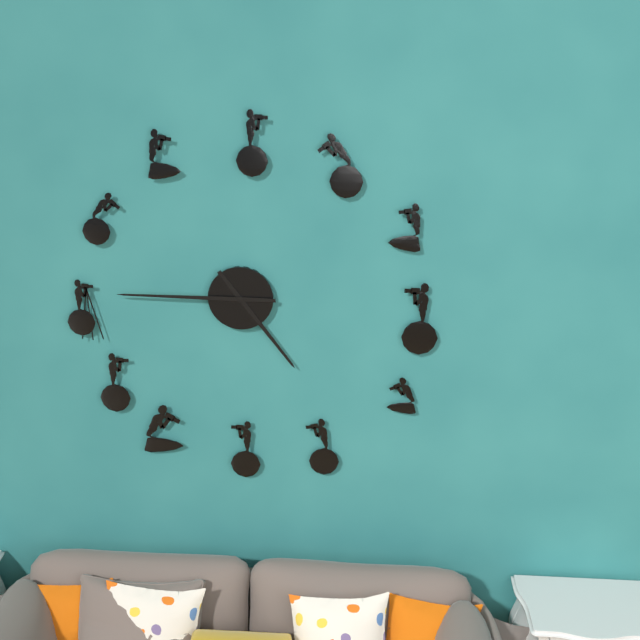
{"hour": 4, "minute": 45}
